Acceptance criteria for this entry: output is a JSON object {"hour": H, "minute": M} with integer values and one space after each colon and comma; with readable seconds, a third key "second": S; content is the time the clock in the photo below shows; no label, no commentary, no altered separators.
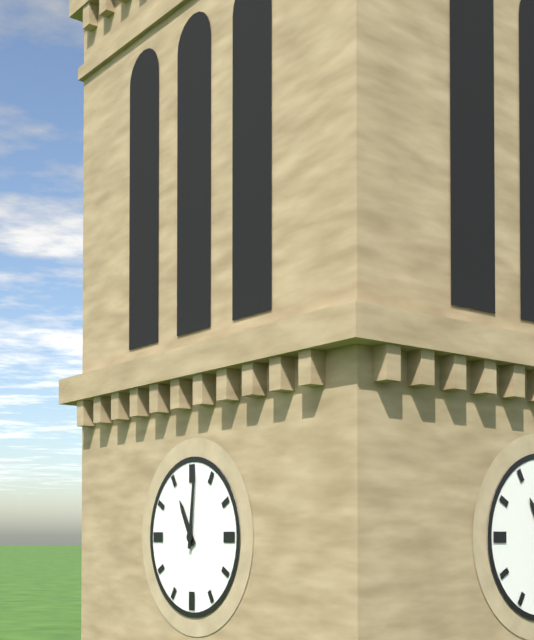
{"hour": 11, "minute": 1}
